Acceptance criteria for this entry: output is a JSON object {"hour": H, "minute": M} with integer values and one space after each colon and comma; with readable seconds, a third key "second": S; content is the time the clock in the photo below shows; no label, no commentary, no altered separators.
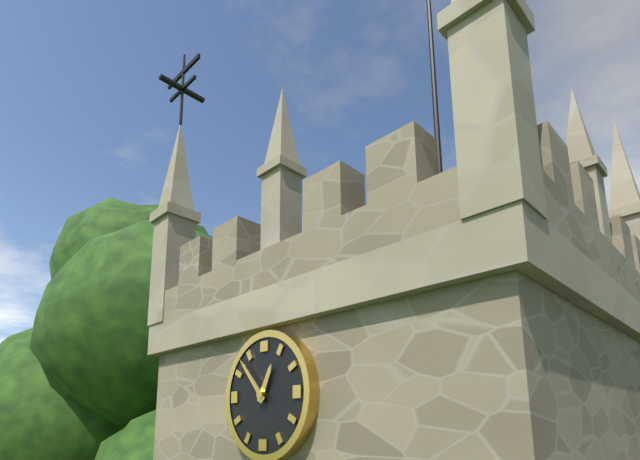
{"hour": 12, "minute": 53}
